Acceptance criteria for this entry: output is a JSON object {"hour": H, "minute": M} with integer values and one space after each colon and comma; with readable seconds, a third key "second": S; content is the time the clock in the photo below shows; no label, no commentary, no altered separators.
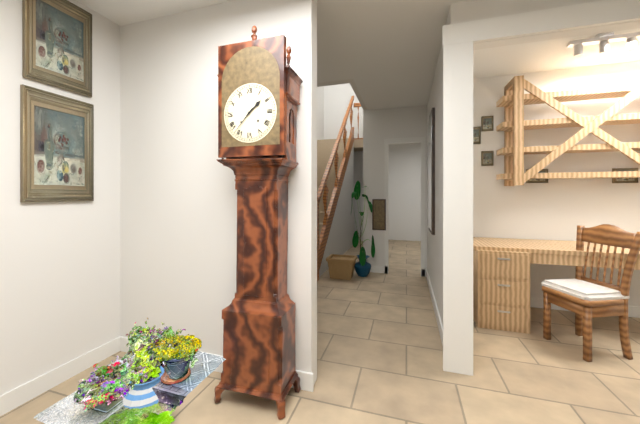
{"hour": 1, "minute": 37}
